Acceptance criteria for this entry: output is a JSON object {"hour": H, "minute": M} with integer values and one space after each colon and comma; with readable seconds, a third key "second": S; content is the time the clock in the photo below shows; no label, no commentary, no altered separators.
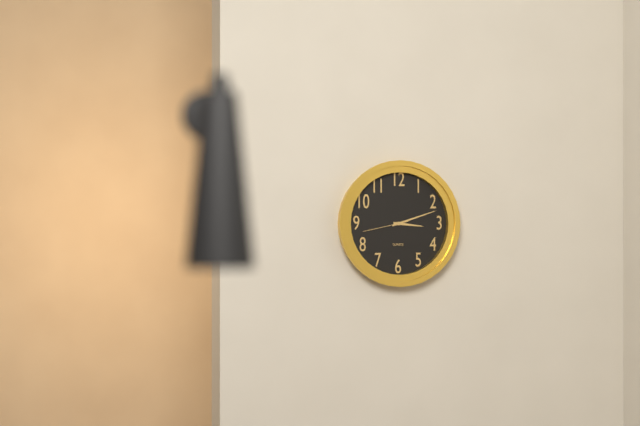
{"hour": 3, "minute": 12}
